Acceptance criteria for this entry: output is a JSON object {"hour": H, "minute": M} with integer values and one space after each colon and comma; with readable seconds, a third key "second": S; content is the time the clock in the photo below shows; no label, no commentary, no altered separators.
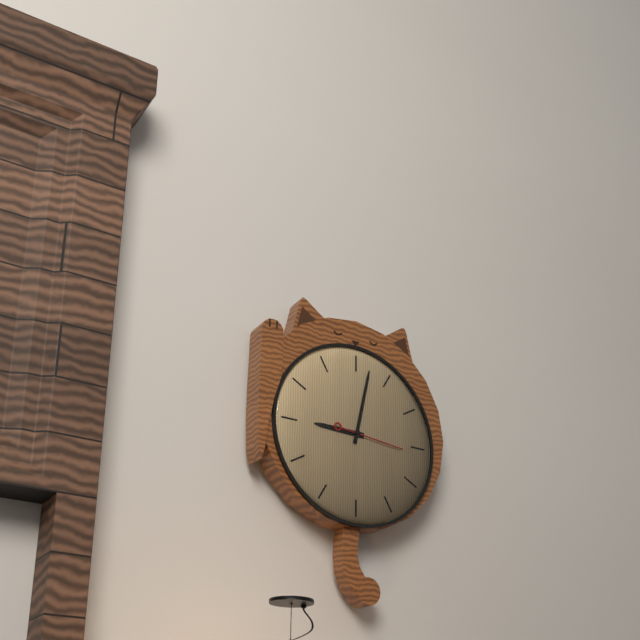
{"hour": 9, "minute": 2, "second": 16}
